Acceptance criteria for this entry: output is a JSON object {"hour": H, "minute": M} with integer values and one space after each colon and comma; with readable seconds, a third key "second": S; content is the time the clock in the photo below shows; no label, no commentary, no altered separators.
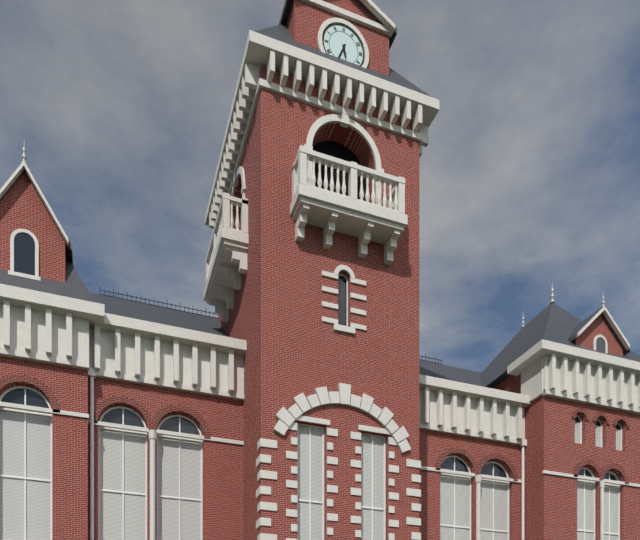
{"hour": 5, "minute": 34}
